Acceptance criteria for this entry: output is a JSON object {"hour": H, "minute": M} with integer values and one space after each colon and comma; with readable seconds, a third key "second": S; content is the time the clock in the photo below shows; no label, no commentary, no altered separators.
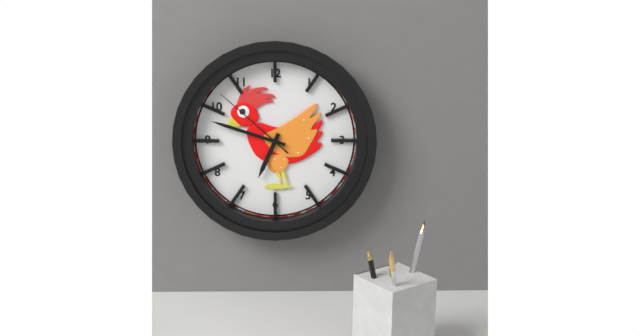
{"hour": 6, "minute": 48, "second": 52}
